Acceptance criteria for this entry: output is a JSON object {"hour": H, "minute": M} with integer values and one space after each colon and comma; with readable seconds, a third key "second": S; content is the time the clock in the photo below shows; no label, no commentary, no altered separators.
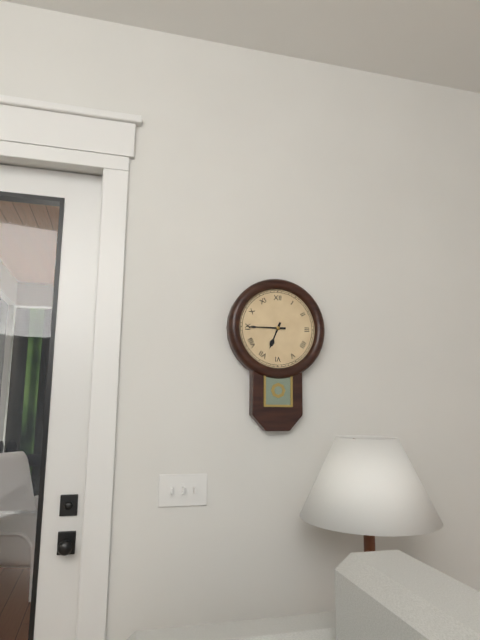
{"hour": 6, "minute": 45}
